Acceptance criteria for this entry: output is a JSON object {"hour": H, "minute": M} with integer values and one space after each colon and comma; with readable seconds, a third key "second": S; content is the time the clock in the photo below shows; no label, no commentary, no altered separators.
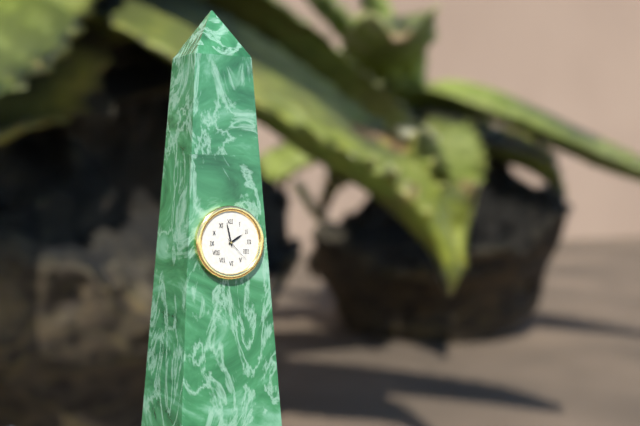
{"hour": 1, "minute": 58}
